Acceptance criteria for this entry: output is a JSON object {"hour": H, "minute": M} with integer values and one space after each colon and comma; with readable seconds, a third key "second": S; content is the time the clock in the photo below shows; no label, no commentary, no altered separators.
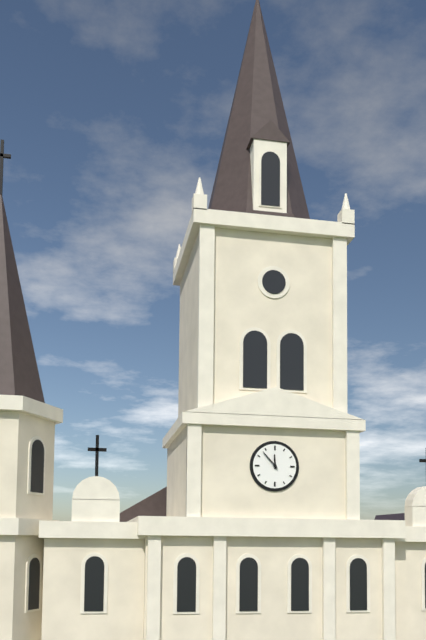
{"hour": 11, "minute": 53}
